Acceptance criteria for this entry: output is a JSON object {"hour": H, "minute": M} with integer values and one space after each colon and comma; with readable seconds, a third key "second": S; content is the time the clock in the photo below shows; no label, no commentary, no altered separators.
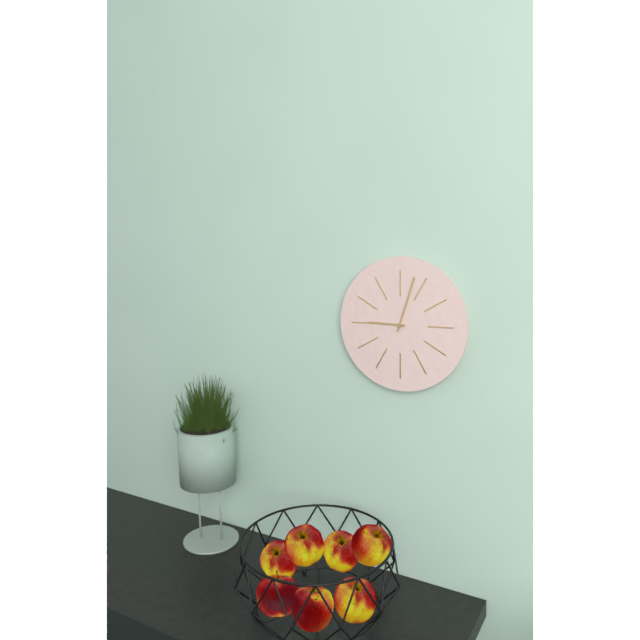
{"hour": 9, "minute": 3}
